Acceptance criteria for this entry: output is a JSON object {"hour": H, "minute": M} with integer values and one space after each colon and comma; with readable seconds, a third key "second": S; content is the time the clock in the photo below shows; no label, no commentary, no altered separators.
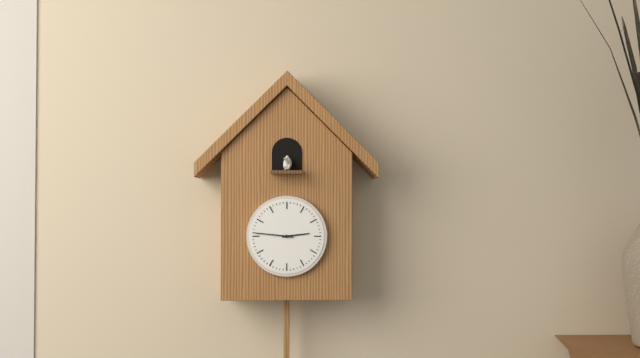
{"hour": 2, "minute": 46}
